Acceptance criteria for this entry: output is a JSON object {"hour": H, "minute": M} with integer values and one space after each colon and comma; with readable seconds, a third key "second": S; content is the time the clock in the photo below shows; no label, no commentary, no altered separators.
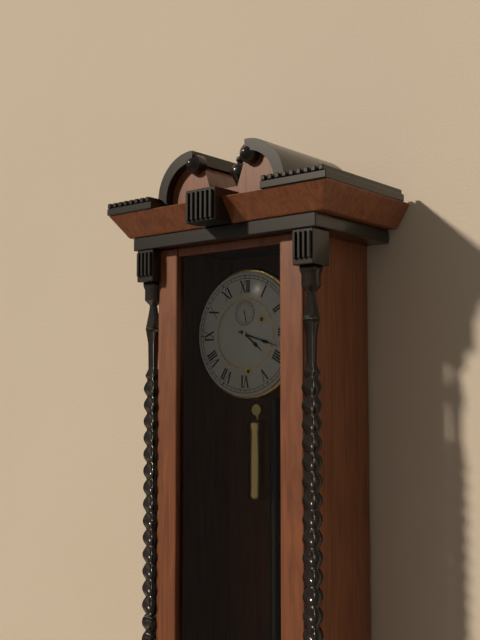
{"hour": 4, "minute": 18}
